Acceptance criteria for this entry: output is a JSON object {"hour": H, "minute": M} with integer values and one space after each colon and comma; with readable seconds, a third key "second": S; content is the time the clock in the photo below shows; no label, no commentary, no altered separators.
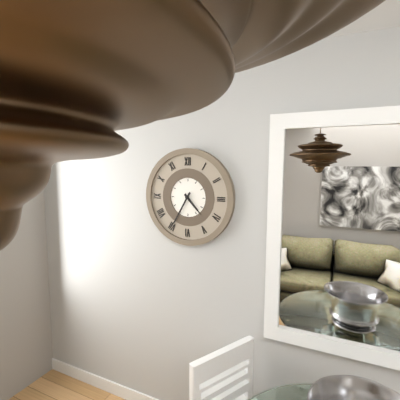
{"hour": 4, "minute": 35}
